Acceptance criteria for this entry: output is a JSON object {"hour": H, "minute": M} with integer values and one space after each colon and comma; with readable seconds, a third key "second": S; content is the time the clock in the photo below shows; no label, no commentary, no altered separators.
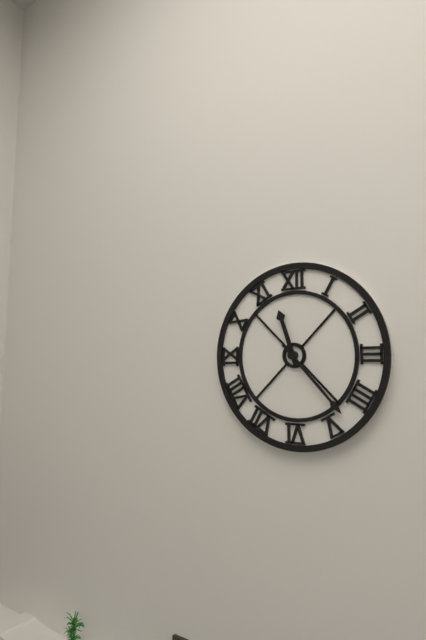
{"hour": 11, "minute": 23}
